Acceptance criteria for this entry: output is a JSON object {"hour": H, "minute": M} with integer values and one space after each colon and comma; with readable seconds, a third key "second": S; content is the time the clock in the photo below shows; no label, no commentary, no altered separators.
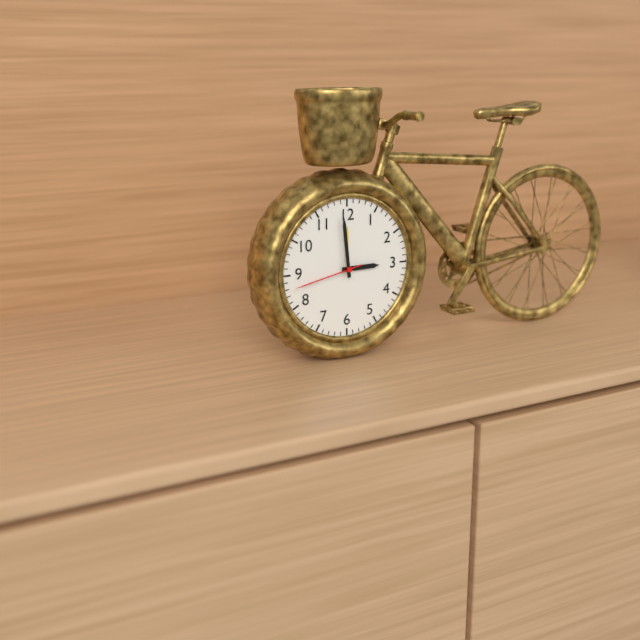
{"hour": 2, "minute": 59, "second": 43}
